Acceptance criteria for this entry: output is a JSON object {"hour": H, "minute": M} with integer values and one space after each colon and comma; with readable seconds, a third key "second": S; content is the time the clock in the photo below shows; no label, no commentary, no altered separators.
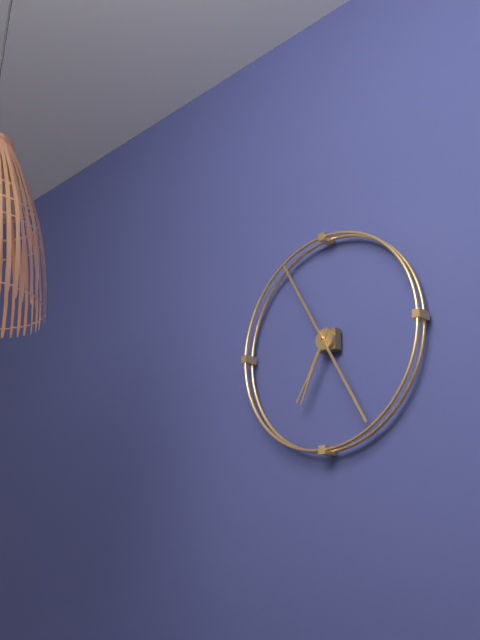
{"hour": 6, "minute": 55}
